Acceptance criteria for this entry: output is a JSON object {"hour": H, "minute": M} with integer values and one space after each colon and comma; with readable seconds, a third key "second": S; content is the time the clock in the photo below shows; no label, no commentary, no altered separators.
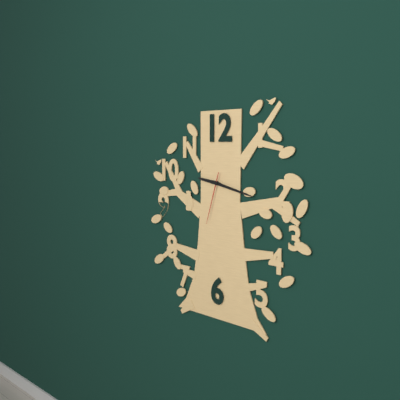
{"hour": 9, "minute": 17, "second": 33}
